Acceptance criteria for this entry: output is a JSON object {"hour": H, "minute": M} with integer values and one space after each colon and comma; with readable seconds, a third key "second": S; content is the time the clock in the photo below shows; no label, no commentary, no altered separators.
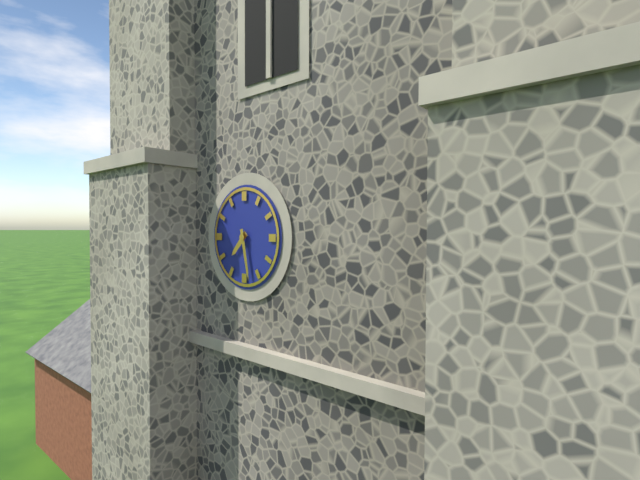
{"hour": 7, "minute": 28}
